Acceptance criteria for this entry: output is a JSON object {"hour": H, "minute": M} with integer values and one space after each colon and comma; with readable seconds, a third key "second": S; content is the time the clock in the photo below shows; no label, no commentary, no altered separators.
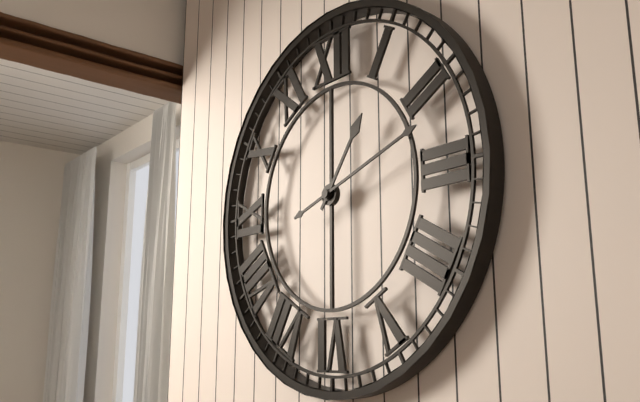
{"hour": 1, "minute": 12}
